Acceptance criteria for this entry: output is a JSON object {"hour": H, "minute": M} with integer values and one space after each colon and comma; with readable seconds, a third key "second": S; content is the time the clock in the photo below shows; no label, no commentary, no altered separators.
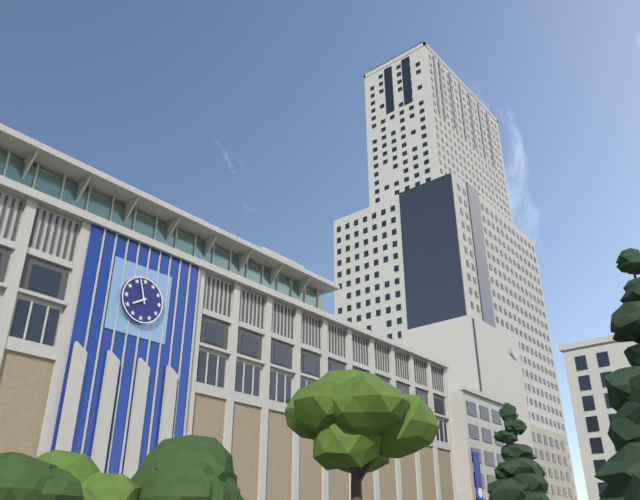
{"hour": 7, "minute": 57}
